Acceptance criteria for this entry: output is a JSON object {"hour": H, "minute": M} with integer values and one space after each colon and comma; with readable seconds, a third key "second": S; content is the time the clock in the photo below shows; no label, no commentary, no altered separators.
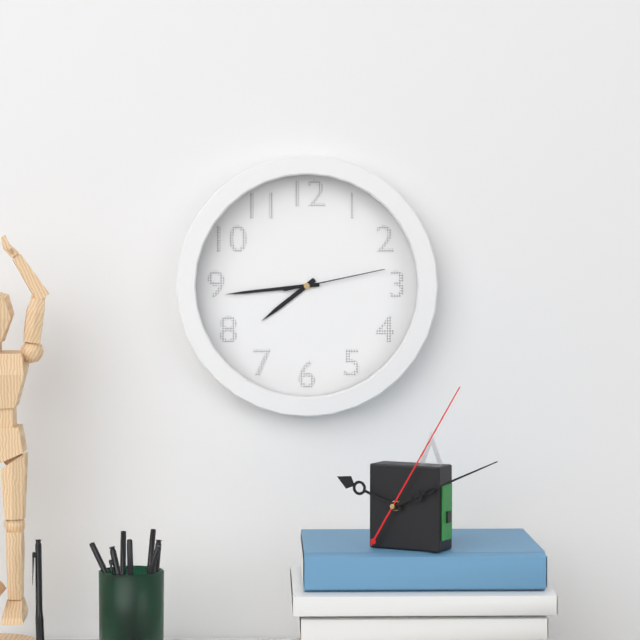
{"hour": 7, "minute": 44, "second": 13}
